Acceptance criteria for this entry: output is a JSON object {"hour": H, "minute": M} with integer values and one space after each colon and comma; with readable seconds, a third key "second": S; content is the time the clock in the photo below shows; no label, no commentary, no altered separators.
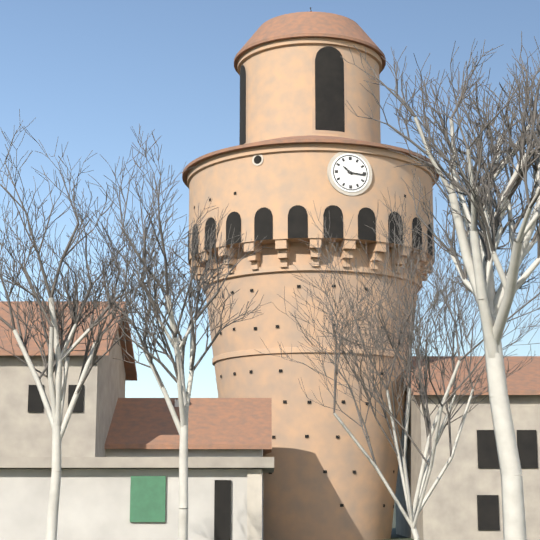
{"hour": 10, "minute": 16}
